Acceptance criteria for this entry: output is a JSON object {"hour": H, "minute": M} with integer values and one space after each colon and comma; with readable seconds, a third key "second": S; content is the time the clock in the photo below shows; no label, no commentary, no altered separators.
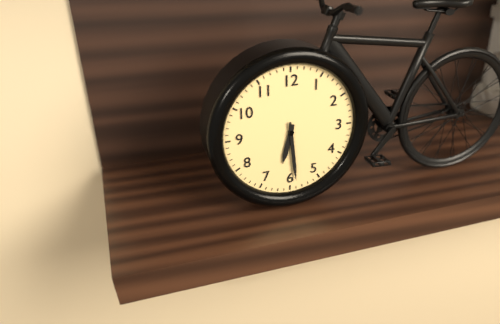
{"hour": 6, "minute": 29}
